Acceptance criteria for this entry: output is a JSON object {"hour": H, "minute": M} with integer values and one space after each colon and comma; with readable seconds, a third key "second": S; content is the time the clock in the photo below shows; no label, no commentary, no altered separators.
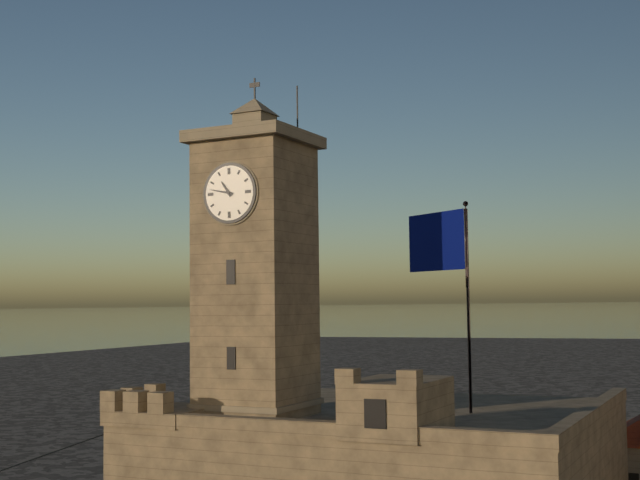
{"hour": 10, "minute": 47}
